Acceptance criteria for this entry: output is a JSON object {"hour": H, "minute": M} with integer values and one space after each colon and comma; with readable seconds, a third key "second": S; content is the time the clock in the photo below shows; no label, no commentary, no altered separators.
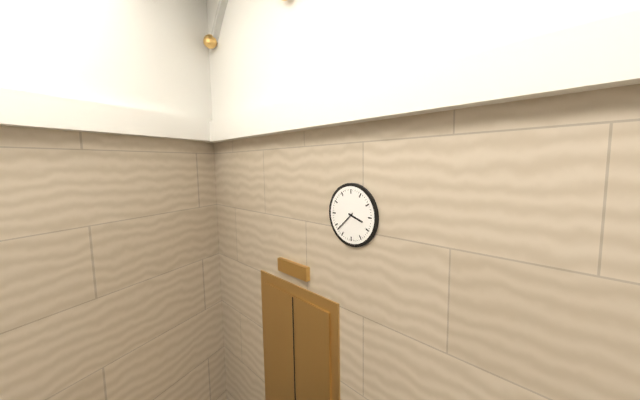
{"hour": 3, "minute": 38}
